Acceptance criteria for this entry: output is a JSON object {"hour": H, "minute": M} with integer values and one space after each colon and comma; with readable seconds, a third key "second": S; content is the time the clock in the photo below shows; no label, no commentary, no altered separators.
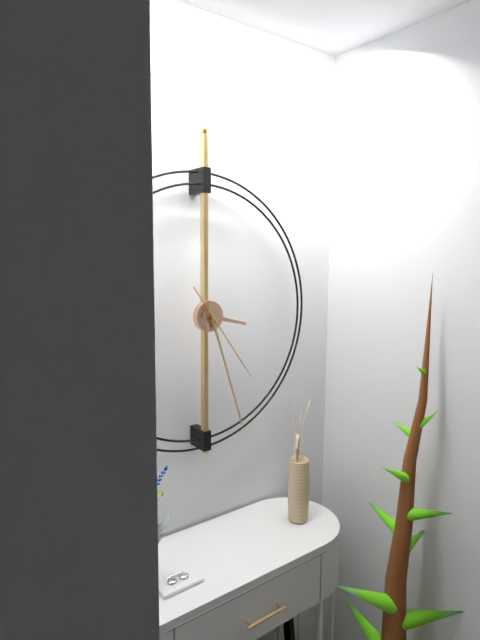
{"hour": 3, "minute": 27, "second": 24}
